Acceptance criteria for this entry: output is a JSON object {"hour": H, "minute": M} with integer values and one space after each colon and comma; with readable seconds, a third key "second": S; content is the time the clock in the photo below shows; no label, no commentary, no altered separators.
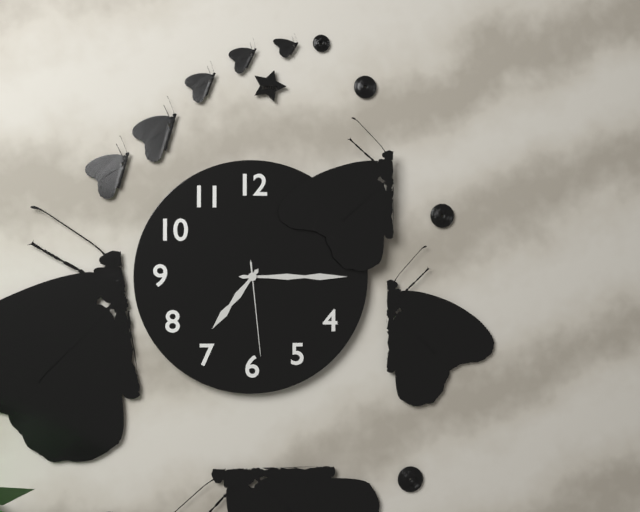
{"hour": 7, "minute": 15, "second": 29}
